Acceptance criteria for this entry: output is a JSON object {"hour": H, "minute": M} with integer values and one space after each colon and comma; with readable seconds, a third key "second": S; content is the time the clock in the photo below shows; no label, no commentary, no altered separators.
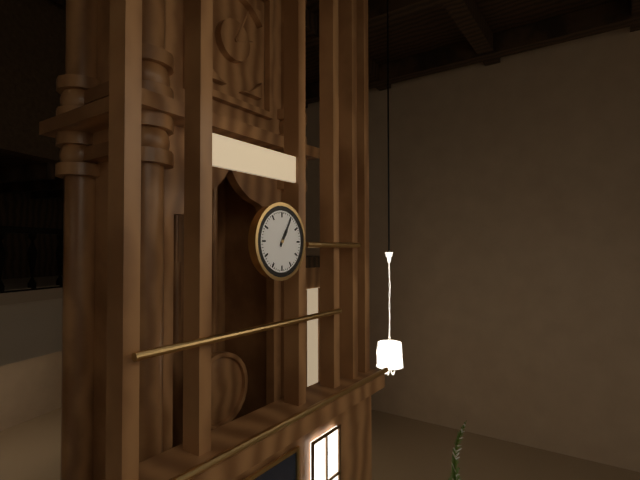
{"hour": 1, "minute": 5}
